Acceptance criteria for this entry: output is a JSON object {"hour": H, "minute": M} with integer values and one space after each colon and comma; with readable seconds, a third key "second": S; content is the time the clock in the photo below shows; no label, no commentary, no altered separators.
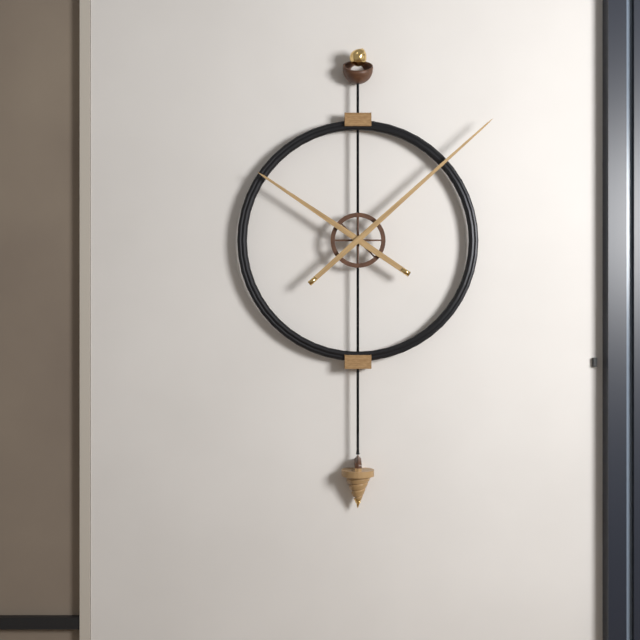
{"hour": 10, "minute": 8}
